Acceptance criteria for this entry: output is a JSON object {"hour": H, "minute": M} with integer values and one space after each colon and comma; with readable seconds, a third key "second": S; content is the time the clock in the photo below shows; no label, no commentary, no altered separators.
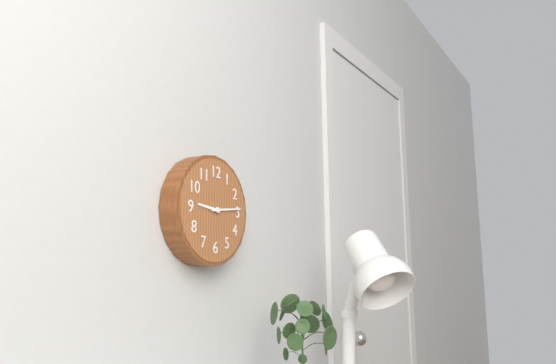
{"hour": 9, "minute": 14}
